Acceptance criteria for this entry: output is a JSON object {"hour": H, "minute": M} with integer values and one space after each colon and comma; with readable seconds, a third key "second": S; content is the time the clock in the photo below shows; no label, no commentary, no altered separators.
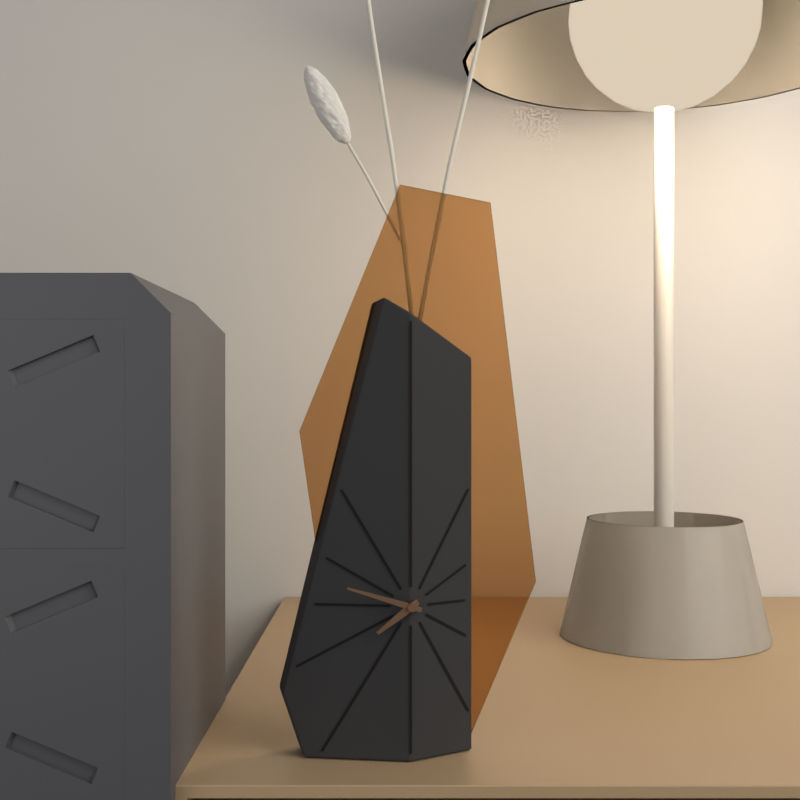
{"hour": 7, "minute": 48}
